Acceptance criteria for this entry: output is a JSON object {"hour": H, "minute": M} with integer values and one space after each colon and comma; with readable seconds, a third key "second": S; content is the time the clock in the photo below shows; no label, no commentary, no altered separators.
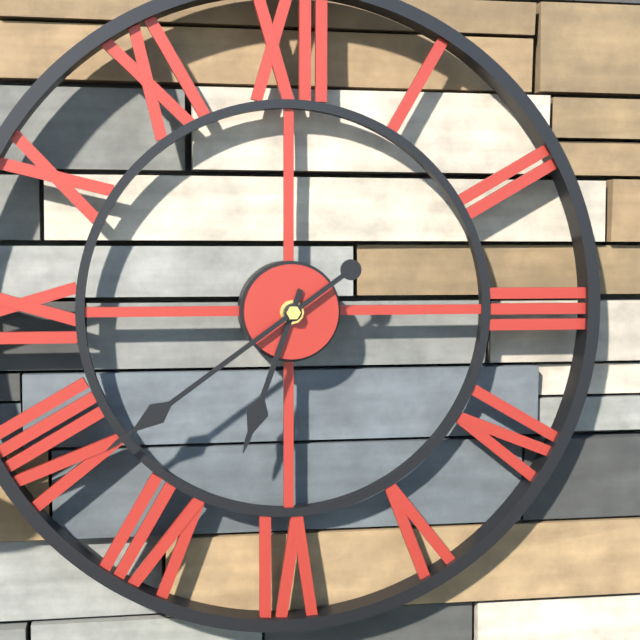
{"hour": 6, "minute": 39}
